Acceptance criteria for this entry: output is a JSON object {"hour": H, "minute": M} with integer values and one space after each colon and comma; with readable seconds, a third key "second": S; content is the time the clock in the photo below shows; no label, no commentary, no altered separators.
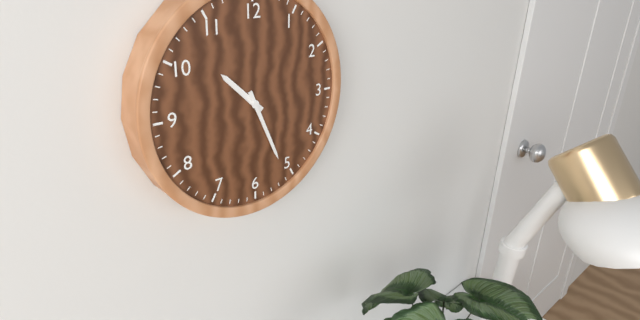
{"hour": 10, "minute": 26}
